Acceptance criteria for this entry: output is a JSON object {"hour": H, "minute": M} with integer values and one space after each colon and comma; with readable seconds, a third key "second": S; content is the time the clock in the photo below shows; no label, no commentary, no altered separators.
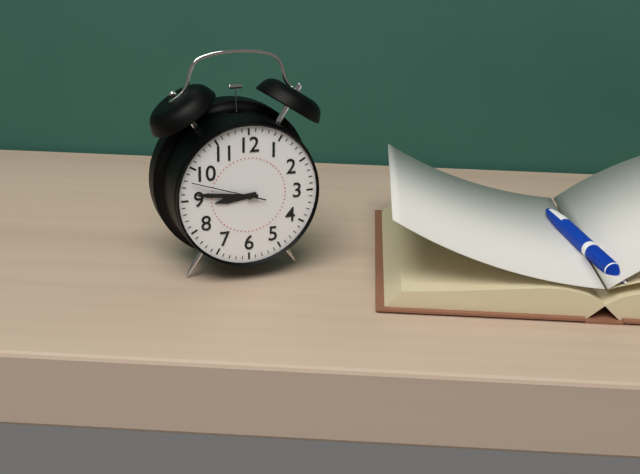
{"hour": 8, "minute": 46, "second": 48}
